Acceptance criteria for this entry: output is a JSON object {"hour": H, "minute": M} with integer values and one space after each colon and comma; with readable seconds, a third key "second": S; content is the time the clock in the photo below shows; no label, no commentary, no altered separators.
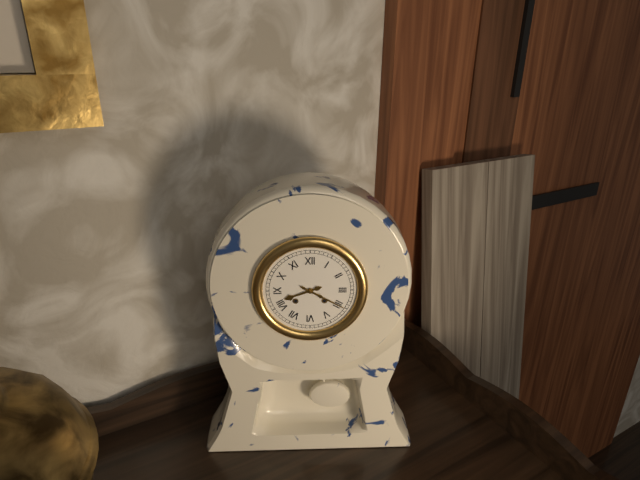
{"hour": 8, "minute": 20}
